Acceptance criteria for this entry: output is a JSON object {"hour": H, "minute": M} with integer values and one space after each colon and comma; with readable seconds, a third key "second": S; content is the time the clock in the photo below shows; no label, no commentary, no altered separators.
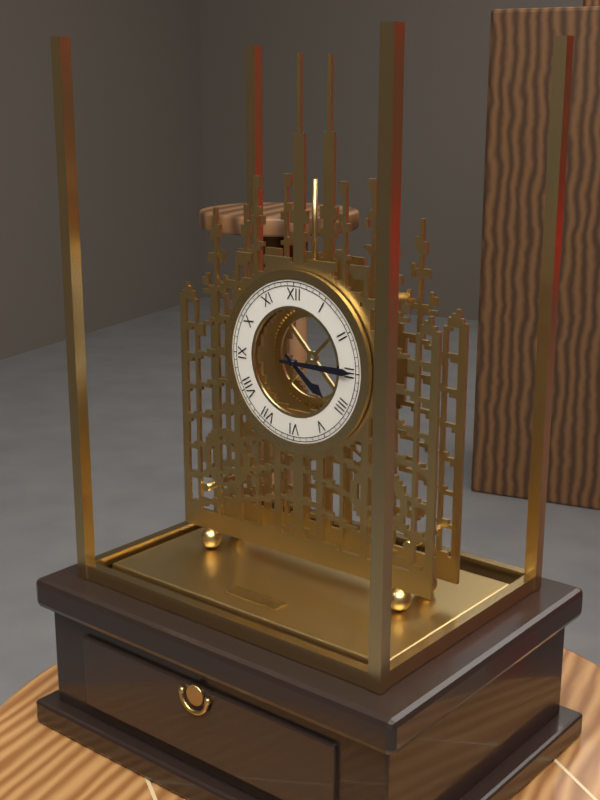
{"hour": 4, "minute": 15}
